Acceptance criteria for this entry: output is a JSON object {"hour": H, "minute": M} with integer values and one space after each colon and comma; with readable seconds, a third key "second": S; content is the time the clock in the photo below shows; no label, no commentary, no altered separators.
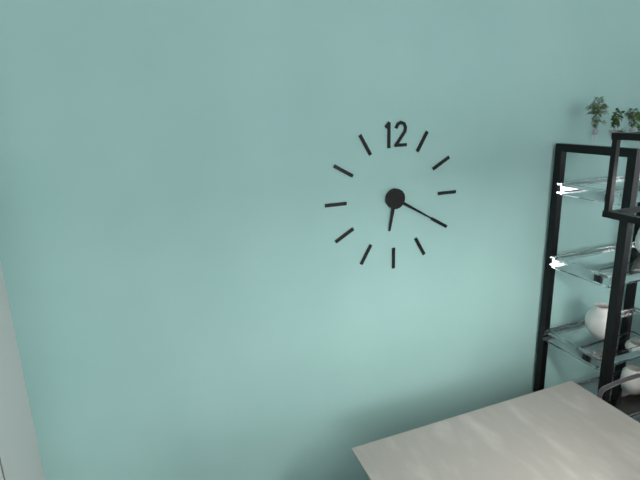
{"hour": 6, "minute": 20}
